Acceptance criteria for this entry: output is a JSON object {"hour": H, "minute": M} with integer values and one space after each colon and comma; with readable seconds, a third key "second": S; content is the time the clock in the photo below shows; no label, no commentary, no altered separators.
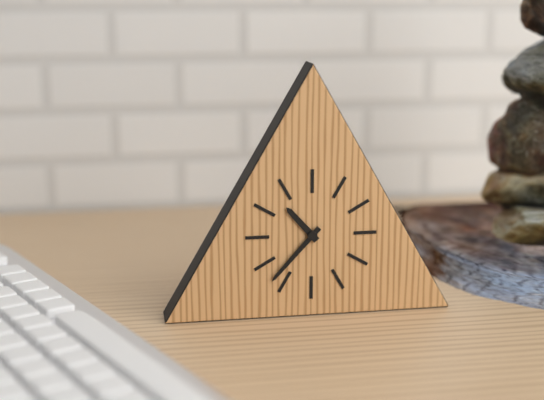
{"hour": 10, "minute": 37}
